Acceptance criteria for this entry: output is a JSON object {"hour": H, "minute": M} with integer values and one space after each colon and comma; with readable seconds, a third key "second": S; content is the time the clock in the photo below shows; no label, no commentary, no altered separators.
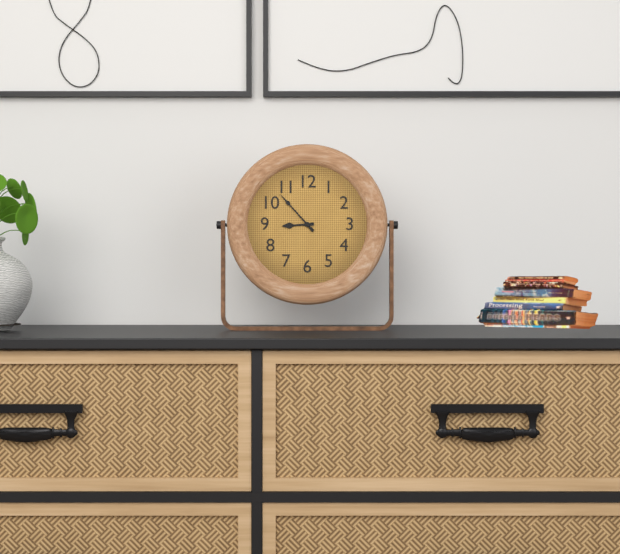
{"hour": 8, "minute": 53}
